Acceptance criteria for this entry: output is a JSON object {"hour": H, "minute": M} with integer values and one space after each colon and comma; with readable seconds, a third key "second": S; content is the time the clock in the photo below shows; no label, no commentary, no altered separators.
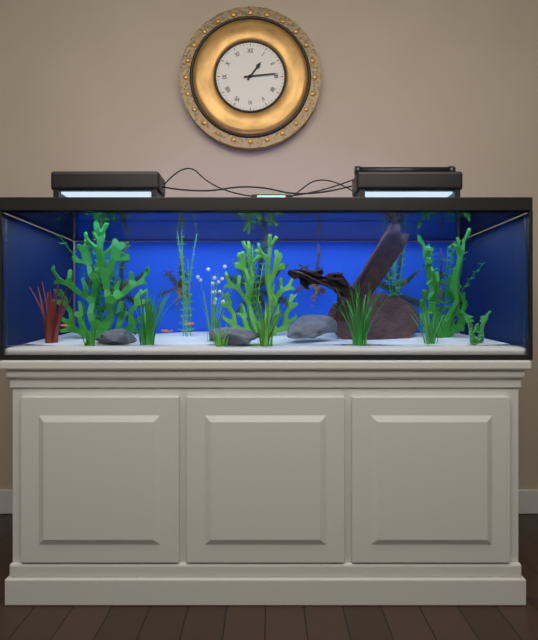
{"hour": 1, "minute": 14}
